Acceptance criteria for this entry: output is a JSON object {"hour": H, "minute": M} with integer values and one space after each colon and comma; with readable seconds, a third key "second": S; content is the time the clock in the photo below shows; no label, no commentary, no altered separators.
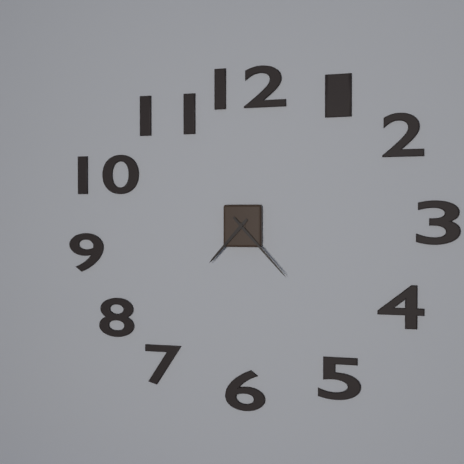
{"hour": 7, "minute": 23}
